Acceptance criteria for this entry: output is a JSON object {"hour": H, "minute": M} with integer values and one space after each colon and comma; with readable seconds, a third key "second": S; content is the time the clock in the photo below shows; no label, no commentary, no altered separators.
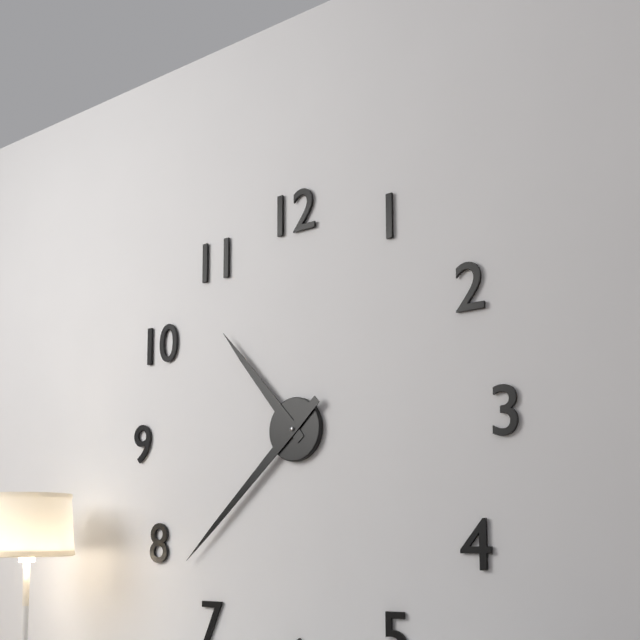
{"hour": 10, "minute": 38}
